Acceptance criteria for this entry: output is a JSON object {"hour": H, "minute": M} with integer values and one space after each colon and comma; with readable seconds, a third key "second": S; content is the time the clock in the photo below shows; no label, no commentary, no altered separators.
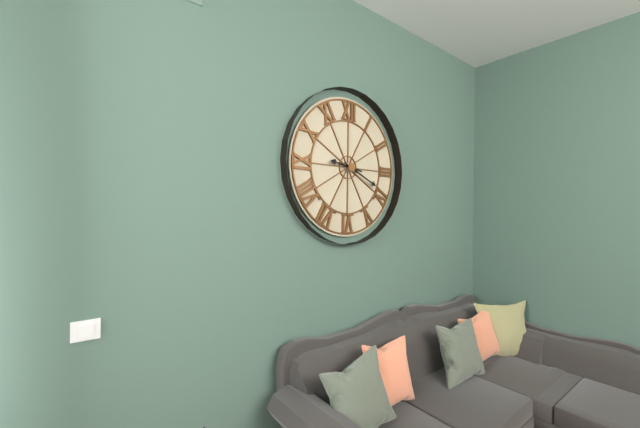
{"hour": 9, "minute": 19}
